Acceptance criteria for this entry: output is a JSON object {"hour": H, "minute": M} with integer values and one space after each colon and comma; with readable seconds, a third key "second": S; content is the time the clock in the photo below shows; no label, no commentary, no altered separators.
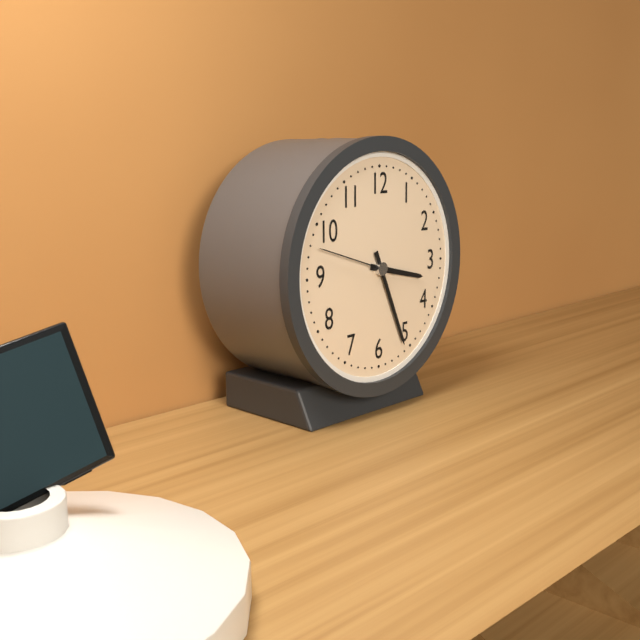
{"hour": 3, "minute": 26, "second": 48}
